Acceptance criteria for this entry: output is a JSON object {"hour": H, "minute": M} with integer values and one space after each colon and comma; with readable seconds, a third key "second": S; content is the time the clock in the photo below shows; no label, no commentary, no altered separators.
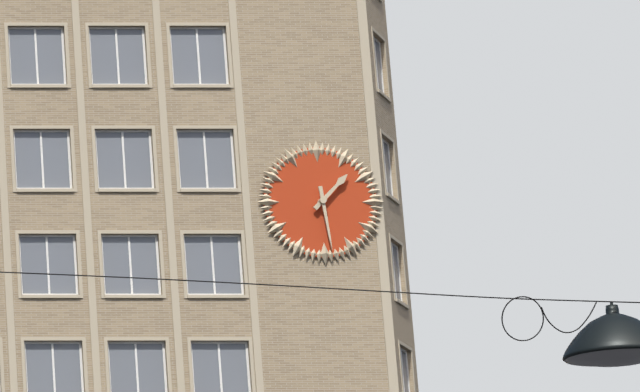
{"hour": 1, "minute": 29}
